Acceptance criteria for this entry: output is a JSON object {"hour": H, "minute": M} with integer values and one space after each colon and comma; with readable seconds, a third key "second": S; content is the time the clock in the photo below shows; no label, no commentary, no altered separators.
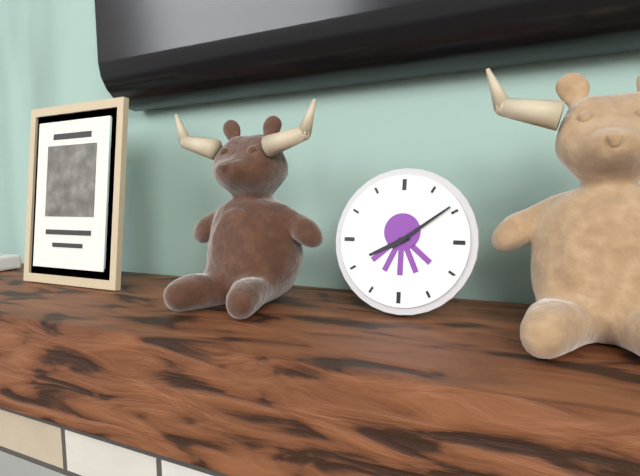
{"hour": 8, "minute": 9}
